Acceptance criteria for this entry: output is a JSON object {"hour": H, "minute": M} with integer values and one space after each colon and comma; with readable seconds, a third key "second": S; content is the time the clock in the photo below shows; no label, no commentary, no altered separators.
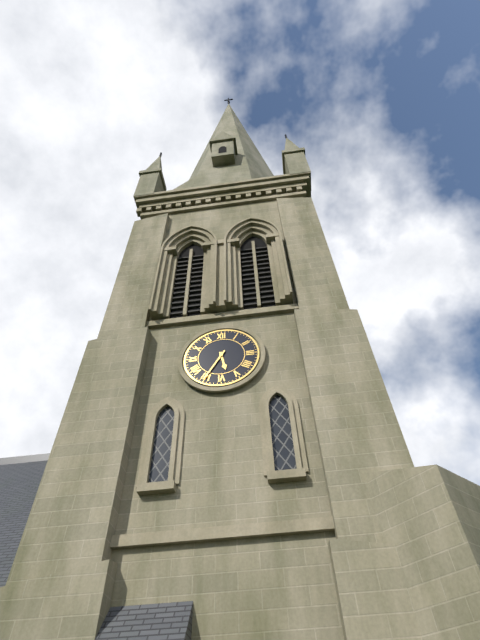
{"hour": 5, "minute": 35}
